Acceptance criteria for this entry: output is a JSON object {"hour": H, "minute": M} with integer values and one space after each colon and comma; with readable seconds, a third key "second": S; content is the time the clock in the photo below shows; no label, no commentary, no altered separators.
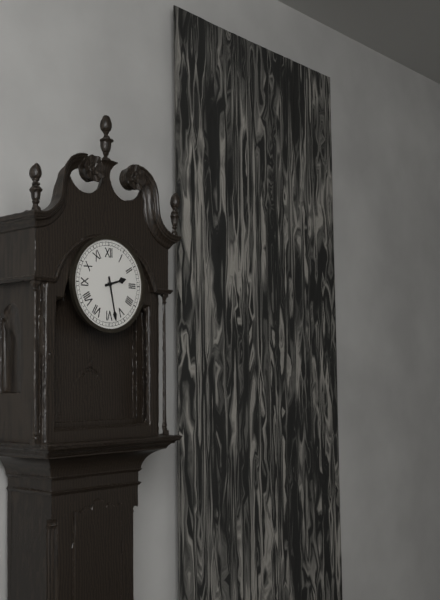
{"hour": 2, "minute": 28}
